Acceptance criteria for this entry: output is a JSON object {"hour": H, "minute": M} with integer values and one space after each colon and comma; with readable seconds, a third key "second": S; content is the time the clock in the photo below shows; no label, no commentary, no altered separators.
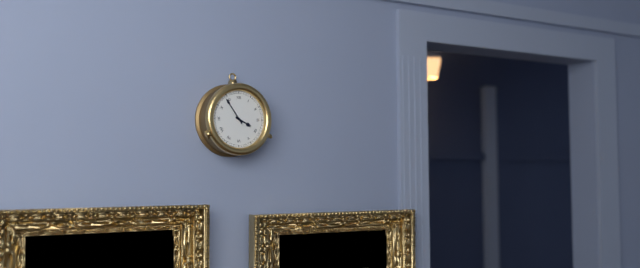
{"hour": 3, "minute": 54}
